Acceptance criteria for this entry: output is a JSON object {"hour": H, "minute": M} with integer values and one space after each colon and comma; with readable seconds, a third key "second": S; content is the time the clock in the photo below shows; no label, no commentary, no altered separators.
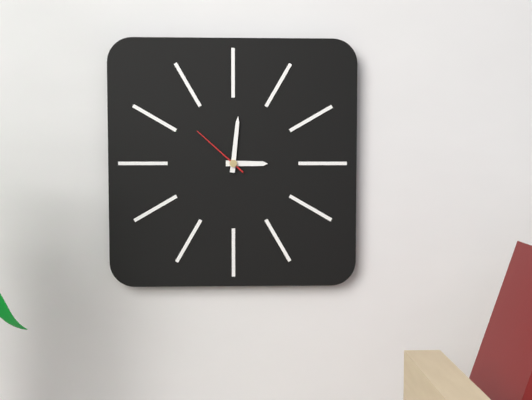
{"hour": 3, "minute": 1, "second": 52}
